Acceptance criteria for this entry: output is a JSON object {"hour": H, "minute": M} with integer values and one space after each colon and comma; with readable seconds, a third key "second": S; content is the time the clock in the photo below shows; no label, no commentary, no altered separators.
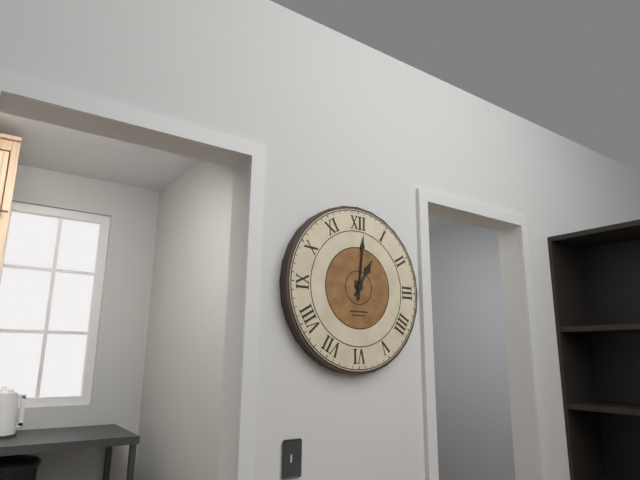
{"hour": 1, "minute": 1}
